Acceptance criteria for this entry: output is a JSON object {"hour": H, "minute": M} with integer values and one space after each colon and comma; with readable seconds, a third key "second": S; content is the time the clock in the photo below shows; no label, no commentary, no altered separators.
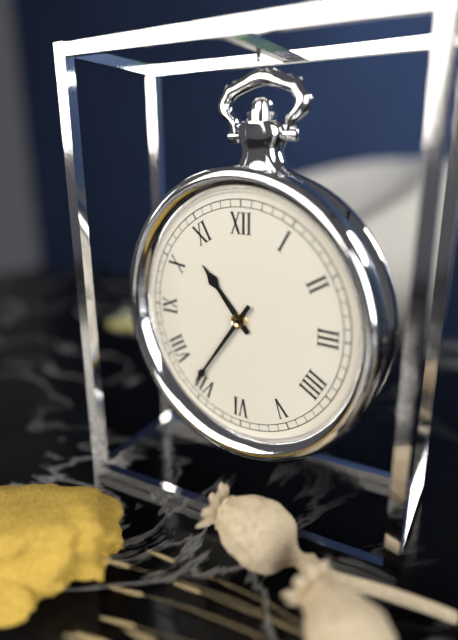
{"hour": 10, "minute": 36}
